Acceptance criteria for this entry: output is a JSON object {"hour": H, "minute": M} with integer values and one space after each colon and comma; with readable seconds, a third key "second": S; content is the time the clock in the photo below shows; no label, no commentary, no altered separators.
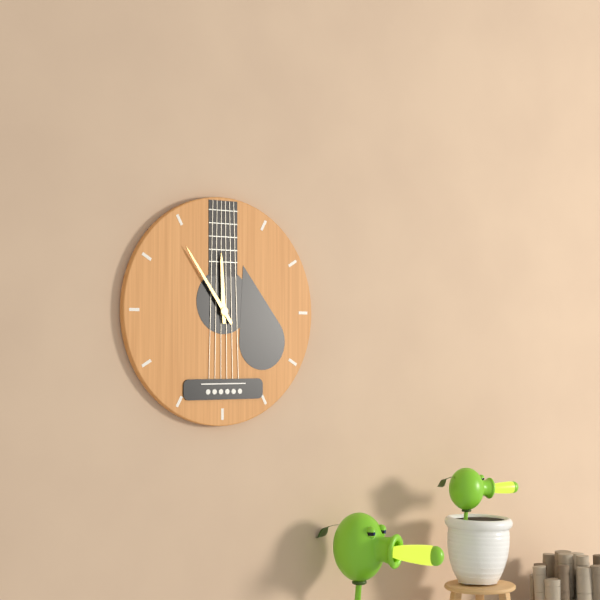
{"hour": 11, "minute": 54}
